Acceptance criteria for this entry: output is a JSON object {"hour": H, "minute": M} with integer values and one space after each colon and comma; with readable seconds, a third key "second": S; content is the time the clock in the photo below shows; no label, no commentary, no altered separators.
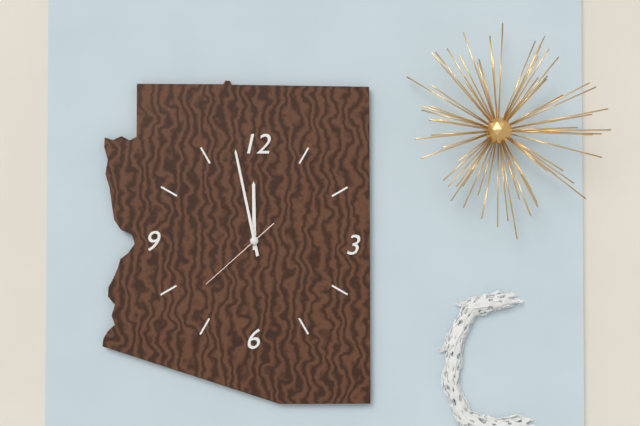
{"hour": 11, "minute": 58, "second": 38}
